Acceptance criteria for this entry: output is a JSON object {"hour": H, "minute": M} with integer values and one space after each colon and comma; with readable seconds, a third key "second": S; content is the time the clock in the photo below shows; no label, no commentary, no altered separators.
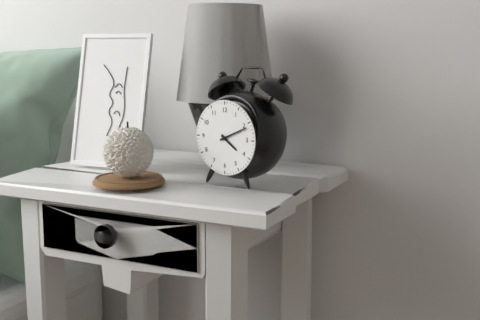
{"hour": 4, "minute": 11}
